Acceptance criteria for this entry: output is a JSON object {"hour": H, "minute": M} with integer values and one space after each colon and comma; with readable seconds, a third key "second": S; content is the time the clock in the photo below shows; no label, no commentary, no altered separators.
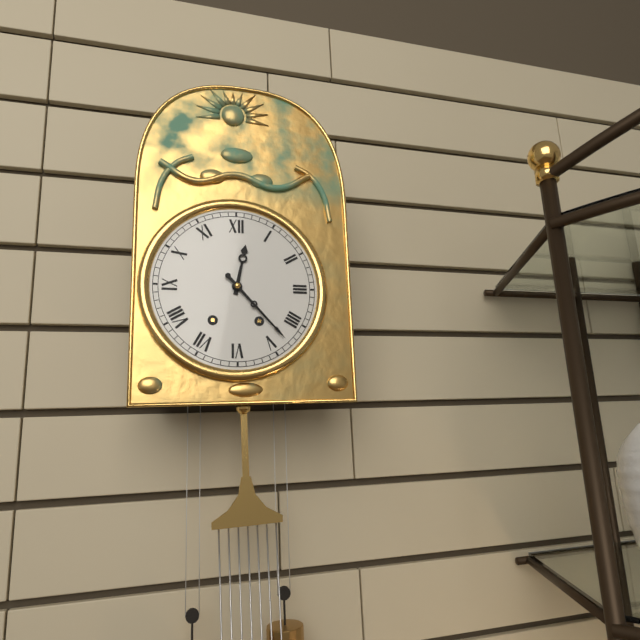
{"hour": 12, "minute": 23}
